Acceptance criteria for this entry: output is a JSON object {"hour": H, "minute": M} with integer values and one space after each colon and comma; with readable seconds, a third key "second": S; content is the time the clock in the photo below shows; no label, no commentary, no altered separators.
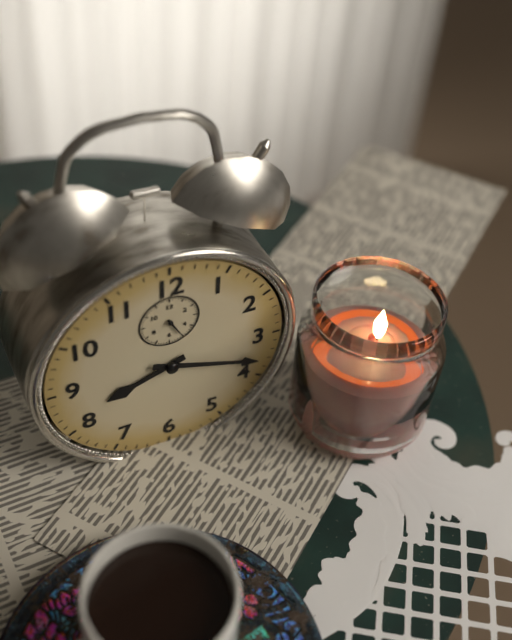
{"hour": 8, "minute": 18}
